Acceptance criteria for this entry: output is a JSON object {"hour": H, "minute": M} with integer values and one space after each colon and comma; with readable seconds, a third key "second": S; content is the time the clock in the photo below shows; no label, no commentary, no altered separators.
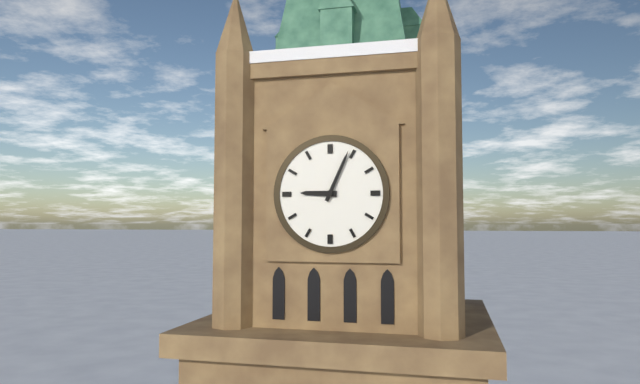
{"hour": 9, "minute": 4}
